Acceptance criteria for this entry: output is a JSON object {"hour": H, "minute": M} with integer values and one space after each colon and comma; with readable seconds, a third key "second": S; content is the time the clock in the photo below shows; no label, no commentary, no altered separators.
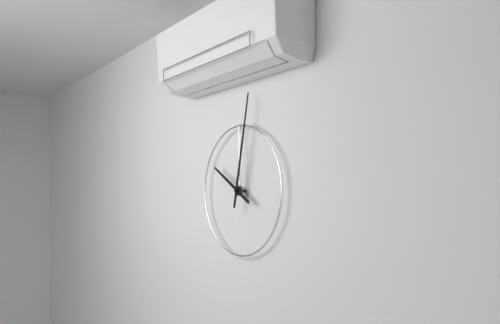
{"hour": 10, "minute": 2}
